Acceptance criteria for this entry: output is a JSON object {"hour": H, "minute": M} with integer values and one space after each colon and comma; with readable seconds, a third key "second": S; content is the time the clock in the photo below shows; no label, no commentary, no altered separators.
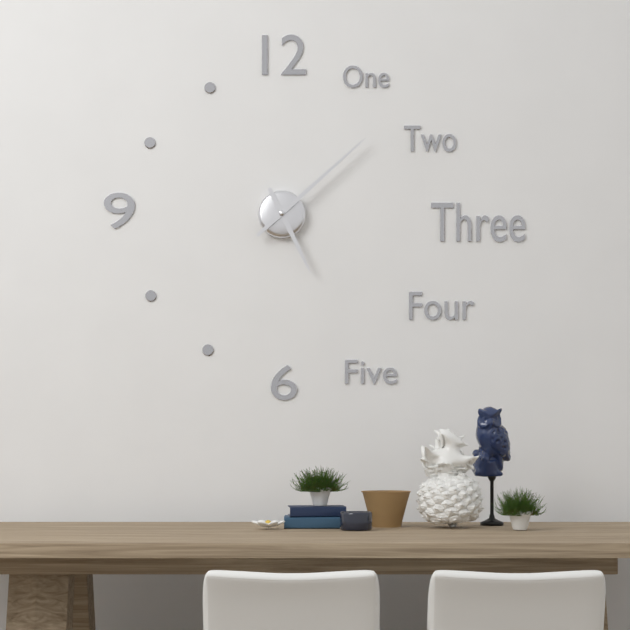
{"hour": 5, "minute": 8}
